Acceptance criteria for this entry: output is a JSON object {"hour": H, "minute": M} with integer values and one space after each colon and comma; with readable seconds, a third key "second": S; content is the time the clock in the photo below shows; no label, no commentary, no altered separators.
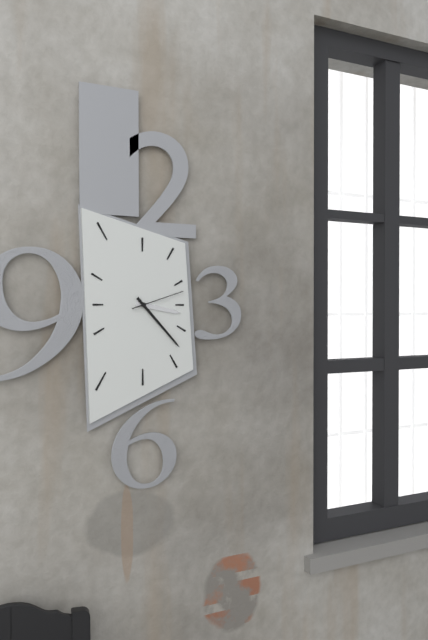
{"hour": 3, "minute": 23, "second": 12}
